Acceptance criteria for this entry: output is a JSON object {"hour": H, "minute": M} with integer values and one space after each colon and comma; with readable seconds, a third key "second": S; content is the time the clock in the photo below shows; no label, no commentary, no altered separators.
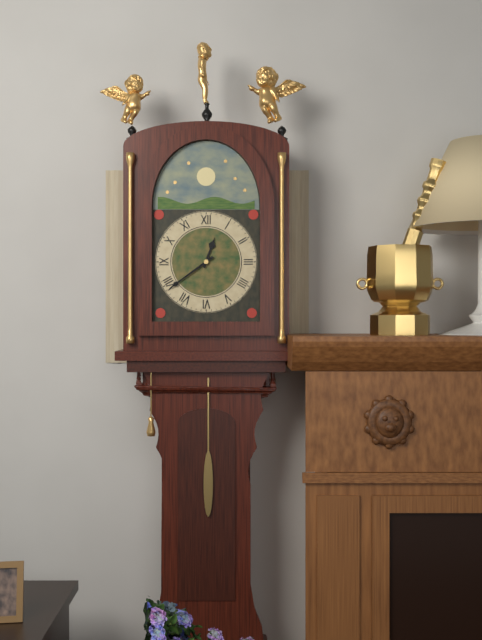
{"hour": 12, "minute": 39}
